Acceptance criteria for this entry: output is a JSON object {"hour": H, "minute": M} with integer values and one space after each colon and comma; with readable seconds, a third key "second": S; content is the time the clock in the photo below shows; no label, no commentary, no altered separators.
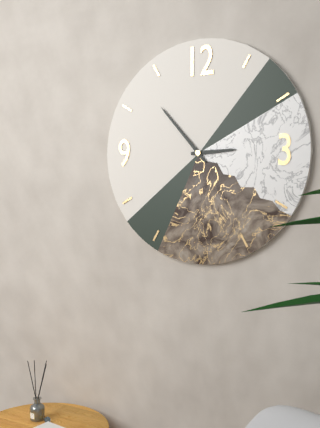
{"hour": 2, "minute": 53}
